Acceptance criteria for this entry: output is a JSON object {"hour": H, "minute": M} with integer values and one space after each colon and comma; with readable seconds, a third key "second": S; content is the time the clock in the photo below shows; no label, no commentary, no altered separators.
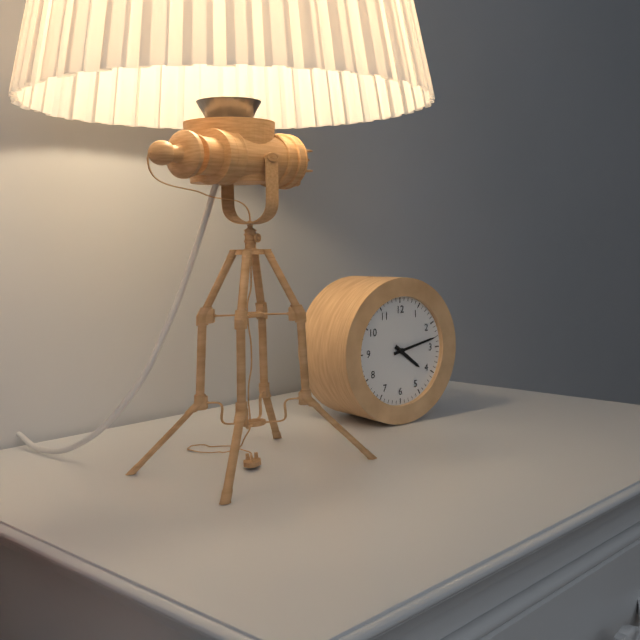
{"hour": 4, "minute": 13}
